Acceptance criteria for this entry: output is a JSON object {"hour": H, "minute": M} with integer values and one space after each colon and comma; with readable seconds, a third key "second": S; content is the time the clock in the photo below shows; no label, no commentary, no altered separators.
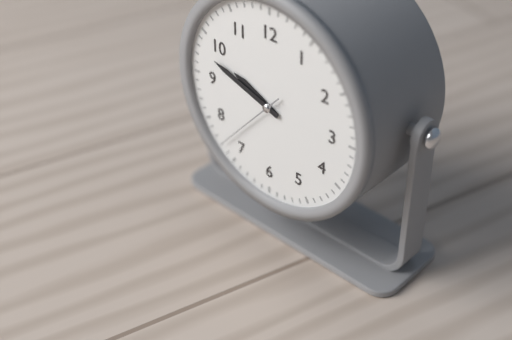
{"hour": 9, "minute": 48, "second": 37}
